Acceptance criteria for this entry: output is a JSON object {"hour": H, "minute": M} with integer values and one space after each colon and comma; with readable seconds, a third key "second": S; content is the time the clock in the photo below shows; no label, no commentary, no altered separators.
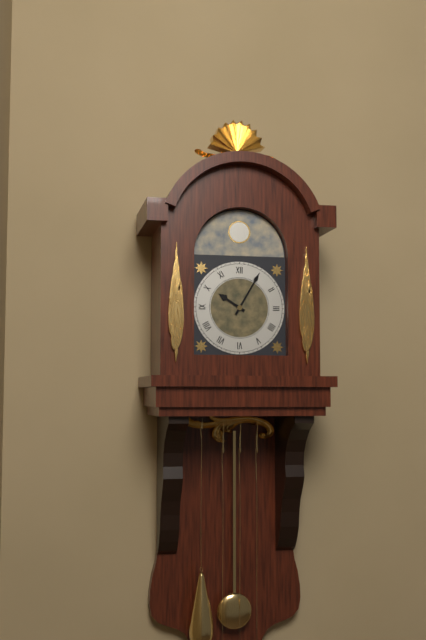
{"hour": 10, "minute": 5}
